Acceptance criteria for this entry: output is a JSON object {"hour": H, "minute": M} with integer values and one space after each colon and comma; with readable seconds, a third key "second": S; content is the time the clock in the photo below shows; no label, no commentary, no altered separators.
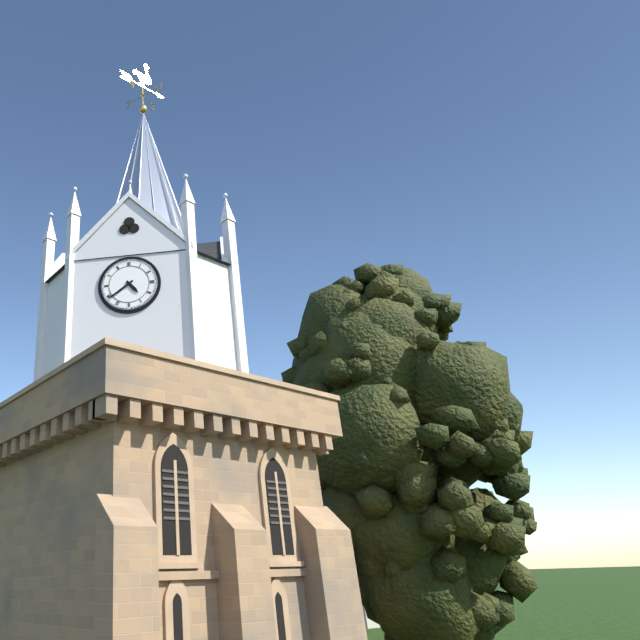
{"hour": 4, "minute": 39}
